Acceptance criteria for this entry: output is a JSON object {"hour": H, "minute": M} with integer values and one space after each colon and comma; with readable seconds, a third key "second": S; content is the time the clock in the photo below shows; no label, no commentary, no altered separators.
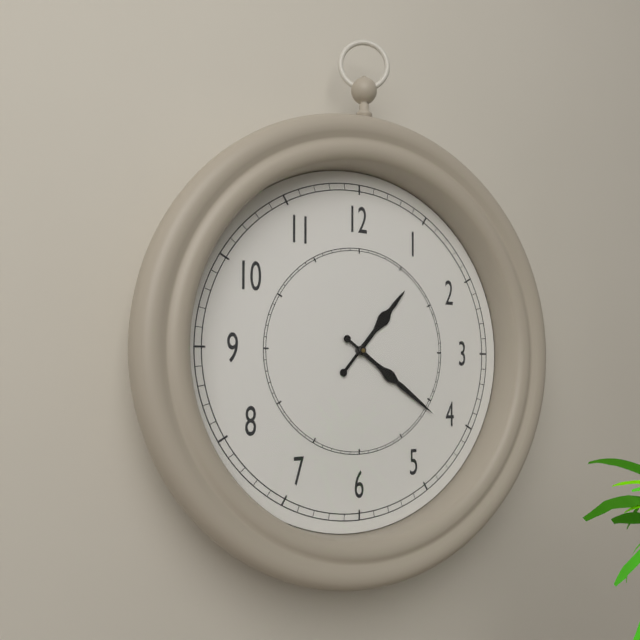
{"hour": 1, "minute": 21}
